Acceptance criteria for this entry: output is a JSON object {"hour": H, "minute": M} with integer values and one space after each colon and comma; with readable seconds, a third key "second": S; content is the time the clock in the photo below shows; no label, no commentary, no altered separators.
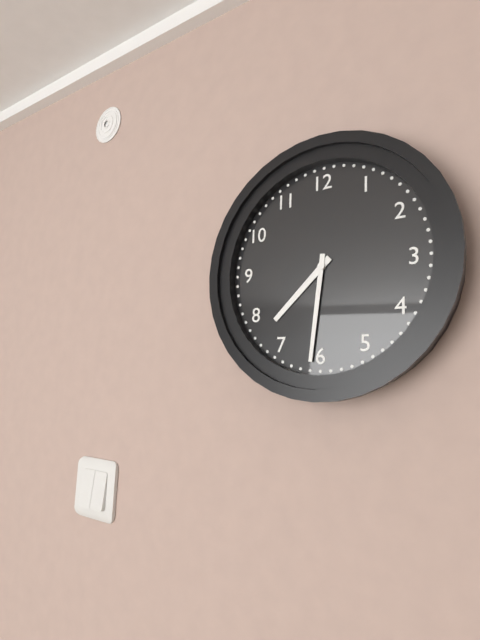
{"hour": 7, "minute": 31}
